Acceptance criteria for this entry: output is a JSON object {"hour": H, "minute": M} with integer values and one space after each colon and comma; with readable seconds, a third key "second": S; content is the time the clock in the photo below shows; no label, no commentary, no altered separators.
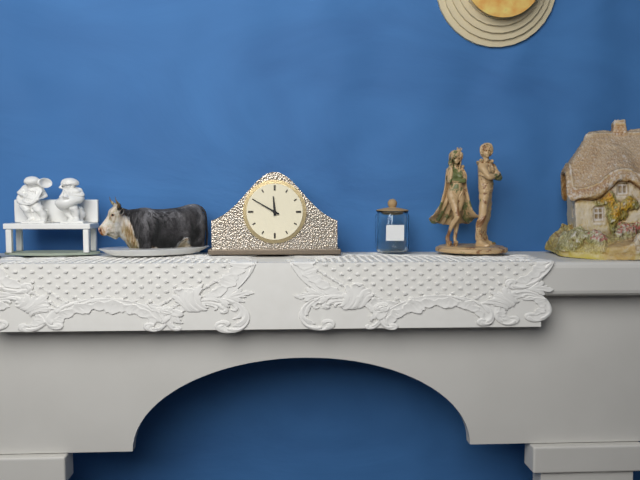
{"hour": 11, "minute": 50}
